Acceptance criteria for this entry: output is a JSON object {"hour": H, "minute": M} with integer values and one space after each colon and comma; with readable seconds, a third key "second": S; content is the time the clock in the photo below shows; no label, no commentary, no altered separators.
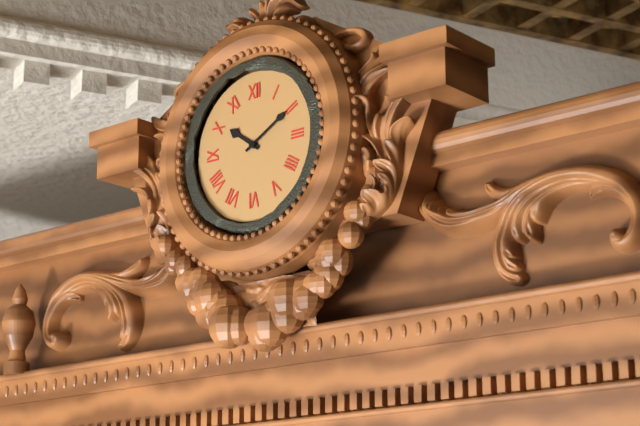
{"hour": 10, "minute": 10}
